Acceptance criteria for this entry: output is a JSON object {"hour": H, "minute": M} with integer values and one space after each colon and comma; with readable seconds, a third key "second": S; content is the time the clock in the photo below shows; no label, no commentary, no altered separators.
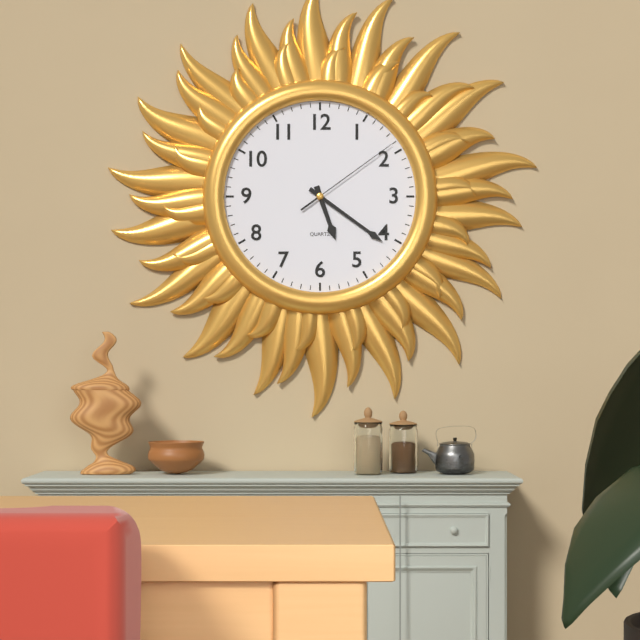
{"hour": 5, "minute": 21, "second": 9}
